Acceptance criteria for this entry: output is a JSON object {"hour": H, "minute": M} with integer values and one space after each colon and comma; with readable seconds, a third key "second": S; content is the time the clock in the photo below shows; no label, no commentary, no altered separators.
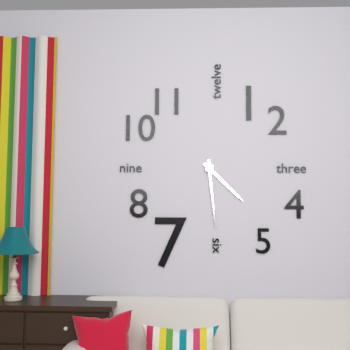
{"hour": 4, "minute": 29}
